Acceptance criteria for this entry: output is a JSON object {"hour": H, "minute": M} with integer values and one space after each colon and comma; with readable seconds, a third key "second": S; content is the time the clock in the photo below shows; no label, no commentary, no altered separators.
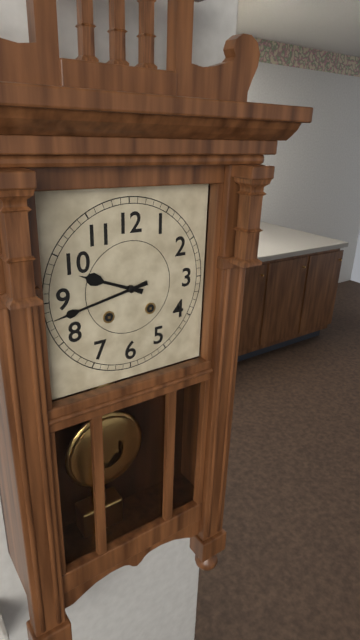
{"hour": 9, "minute": 43}
